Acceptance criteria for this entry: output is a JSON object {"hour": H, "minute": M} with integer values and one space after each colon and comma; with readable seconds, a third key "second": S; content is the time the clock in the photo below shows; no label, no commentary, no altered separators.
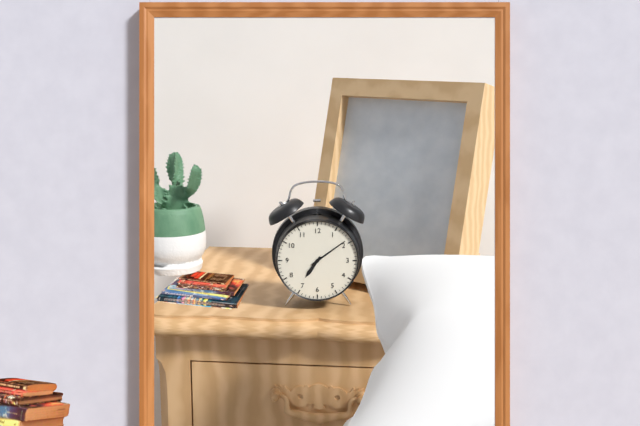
{"hour": 7, "minute": 9}
